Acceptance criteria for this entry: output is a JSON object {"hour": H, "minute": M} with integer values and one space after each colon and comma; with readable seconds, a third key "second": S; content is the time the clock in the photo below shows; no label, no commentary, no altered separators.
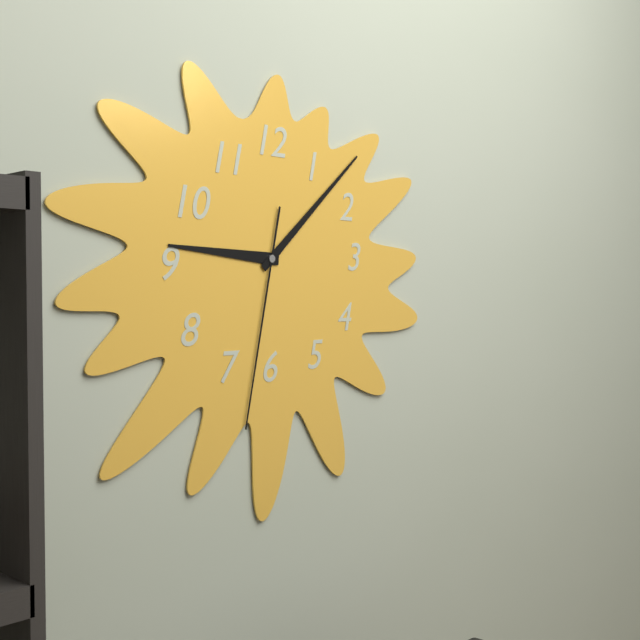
{"hour": 9, "minute": 8, "second": 32}
